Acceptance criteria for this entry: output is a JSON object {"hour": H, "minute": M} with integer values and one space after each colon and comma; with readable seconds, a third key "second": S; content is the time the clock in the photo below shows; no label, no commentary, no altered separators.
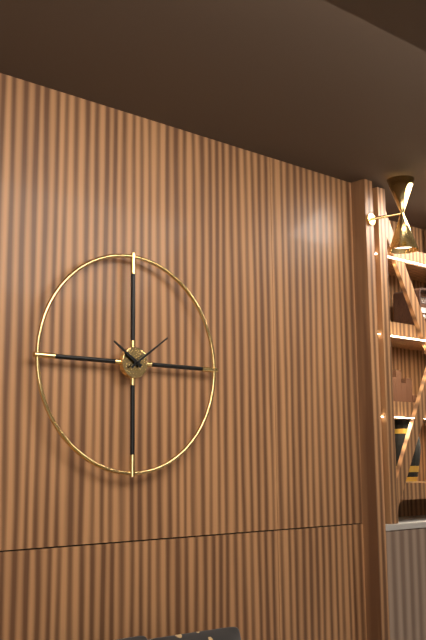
{"hour": 10, "minute": 9}
